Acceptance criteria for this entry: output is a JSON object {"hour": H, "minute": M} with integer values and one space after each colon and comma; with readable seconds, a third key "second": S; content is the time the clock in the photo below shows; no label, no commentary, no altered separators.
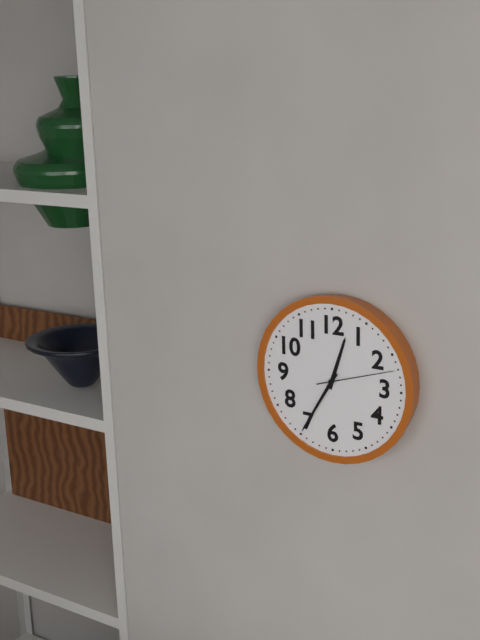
{"hour": 12, "minute": 35, "second": 12}
